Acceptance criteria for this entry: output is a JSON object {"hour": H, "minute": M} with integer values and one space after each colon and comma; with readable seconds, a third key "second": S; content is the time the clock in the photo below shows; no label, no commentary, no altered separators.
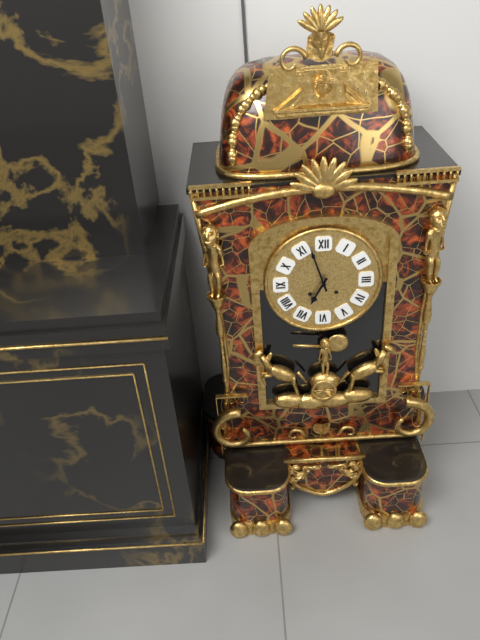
{"hour": 6, "minute": 57}
